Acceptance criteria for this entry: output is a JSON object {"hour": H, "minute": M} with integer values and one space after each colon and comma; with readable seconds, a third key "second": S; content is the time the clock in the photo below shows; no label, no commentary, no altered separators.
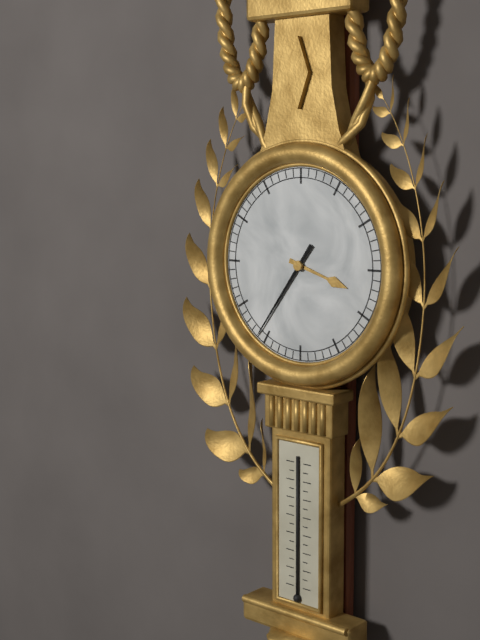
{"hour": 3, "minute": 36}
